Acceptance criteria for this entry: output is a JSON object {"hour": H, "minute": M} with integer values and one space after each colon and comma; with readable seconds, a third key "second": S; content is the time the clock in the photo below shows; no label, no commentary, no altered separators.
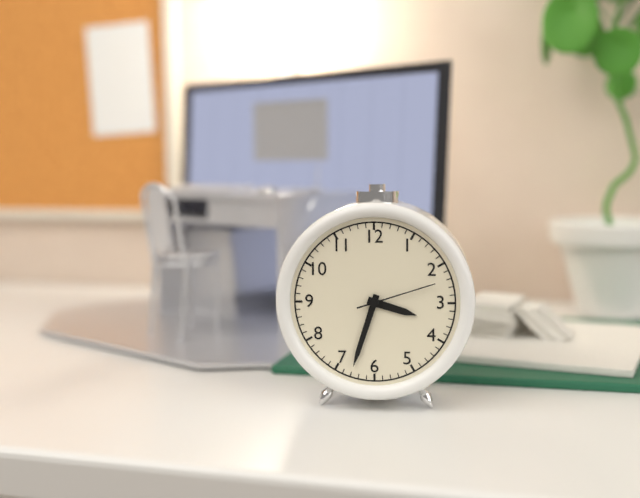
{"hour": 3, "minute": 33, "second": 12}
